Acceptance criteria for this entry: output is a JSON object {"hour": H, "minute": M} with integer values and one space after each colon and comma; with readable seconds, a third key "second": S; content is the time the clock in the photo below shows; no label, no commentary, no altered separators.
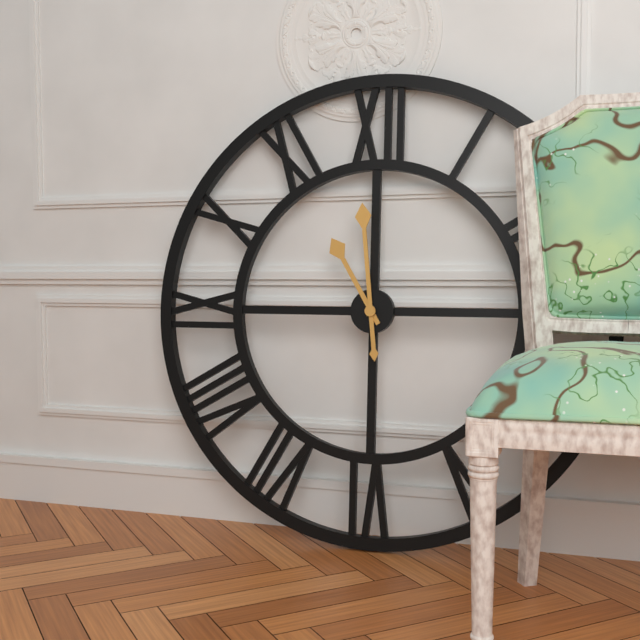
{"hour": 10, "minute": 59}
